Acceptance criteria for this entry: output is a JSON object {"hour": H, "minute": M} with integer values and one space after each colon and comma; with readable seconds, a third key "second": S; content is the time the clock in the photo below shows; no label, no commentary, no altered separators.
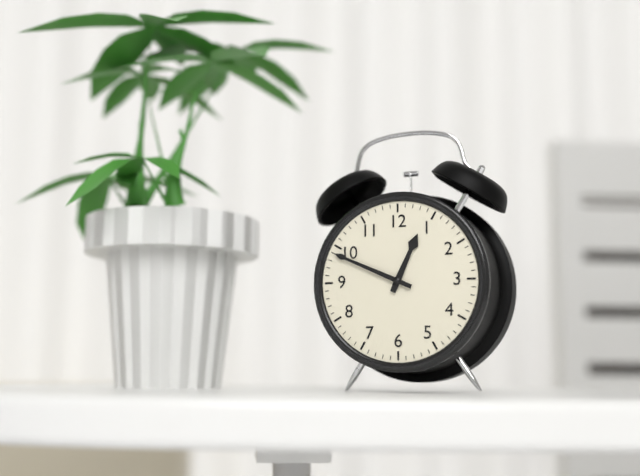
{"hour": 12, "minute": 49}
